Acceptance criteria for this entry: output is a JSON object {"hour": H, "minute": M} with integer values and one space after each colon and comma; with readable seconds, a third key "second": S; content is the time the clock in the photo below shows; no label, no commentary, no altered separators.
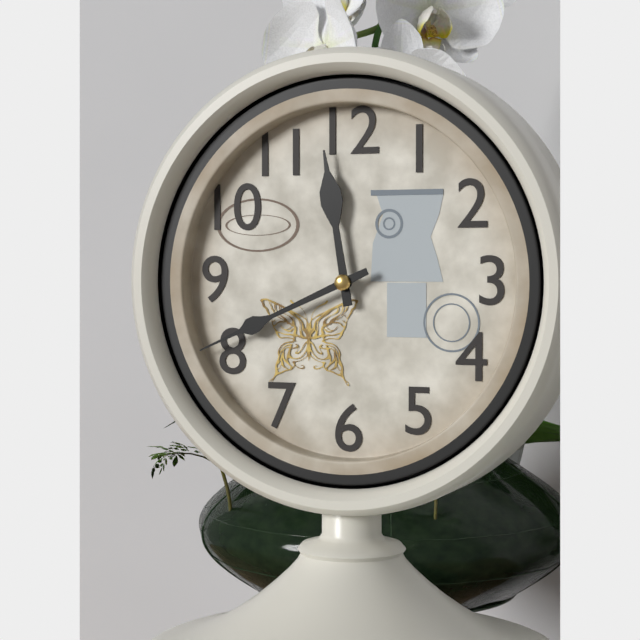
{"hour": 11, "minute": 41}
